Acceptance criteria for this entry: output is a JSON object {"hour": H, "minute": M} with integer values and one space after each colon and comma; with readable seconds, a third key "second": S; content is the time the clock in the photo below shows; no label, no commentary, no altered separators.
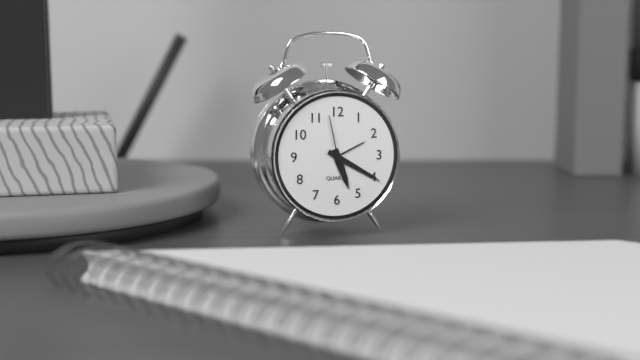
{"hour": 5, "minute": 20, "second": 58}
